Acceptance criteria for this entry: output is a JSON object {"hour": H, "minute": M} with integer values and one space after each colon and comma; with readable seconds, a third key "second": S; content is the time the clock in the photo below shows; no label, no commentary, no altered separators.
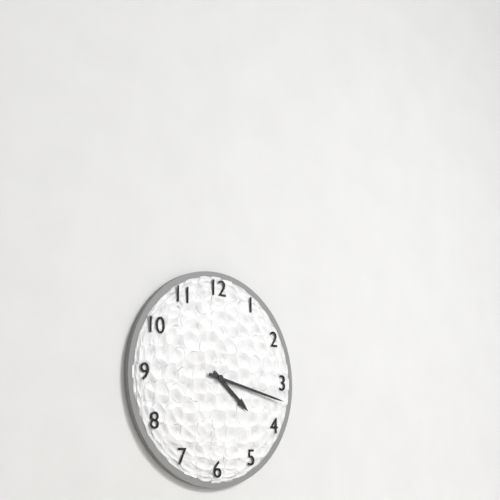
{"hour": 4, "minute": 17}
